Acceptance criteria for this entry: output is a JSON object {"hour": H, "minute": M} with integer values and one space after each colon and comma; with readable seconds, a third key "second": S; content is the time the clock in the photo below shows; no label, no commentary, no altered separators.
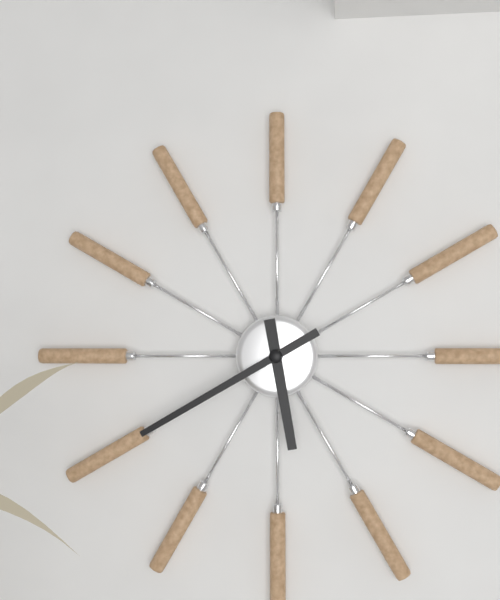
{"hour": 5, "minute": 40}
